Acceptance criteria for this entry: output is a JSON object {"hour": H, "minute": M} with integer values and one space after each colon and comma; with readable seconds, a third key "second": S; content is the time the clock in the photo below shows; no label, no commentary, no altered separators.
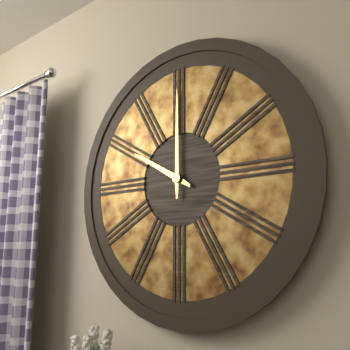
{"hour": 10, "minute": 0}
